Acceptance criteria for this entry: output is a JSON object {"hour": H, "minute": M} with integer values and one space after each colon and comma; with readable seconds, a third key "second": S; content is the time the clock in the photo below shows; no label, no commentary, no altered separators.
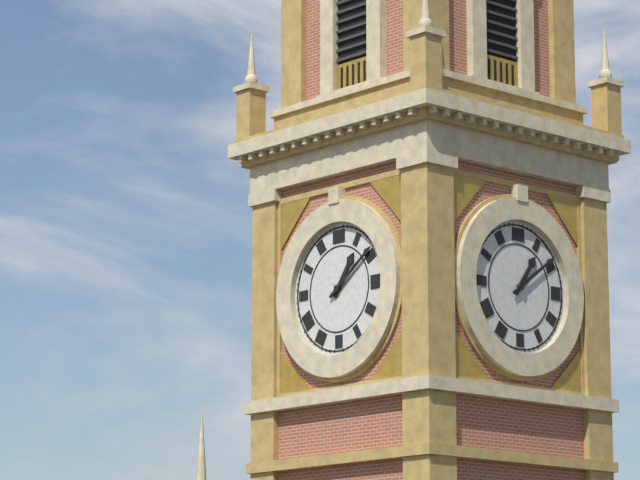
{"hour": 1, "minute": 9}
